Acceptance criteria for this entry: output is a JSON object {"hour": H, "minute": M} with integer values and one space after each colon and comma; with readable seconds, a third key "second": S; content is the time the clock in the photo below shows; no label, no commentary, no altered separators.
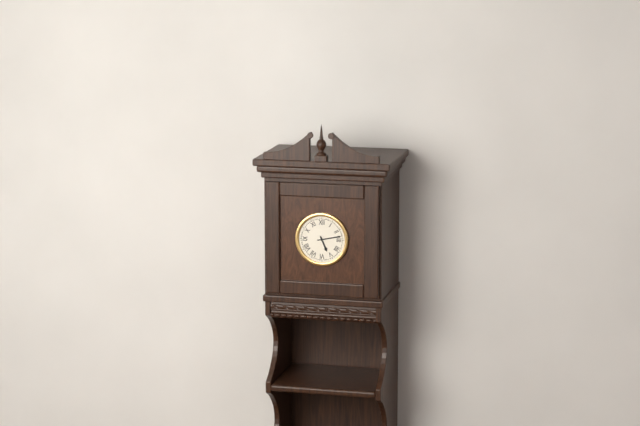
{"hour": 5, "minute": 13}
